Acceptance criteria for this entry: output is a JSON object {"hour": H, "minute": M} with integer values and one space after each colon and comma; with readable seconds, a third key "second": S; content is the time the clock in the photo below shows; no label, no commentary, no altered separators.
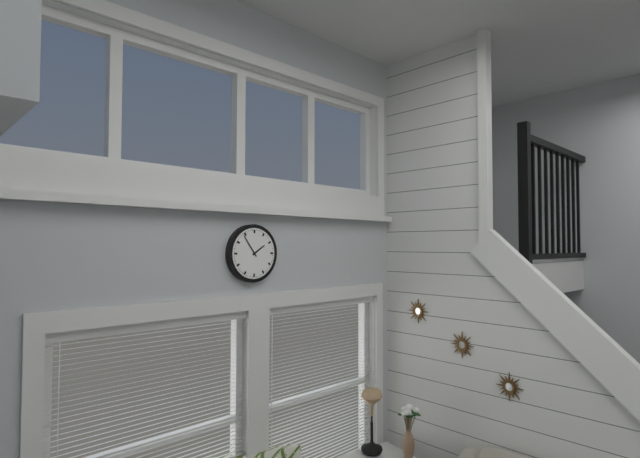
{"hour": 1, "minute": 54}
